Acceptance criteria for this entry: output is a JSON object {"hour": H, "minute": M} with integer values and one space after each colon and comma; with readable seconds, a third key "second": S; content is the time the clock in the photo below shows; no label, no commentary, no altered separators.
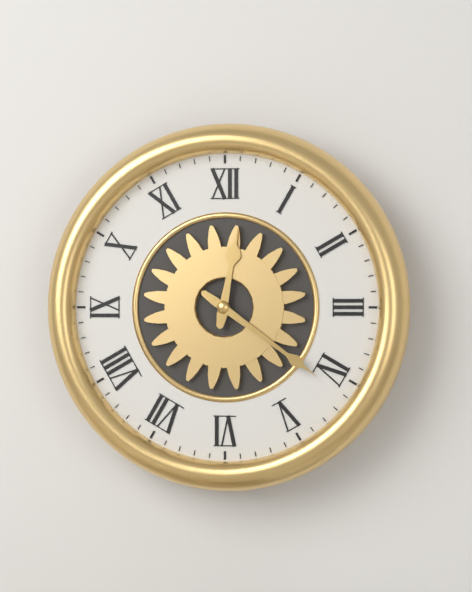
{"hour": 12, "minute": 21}
